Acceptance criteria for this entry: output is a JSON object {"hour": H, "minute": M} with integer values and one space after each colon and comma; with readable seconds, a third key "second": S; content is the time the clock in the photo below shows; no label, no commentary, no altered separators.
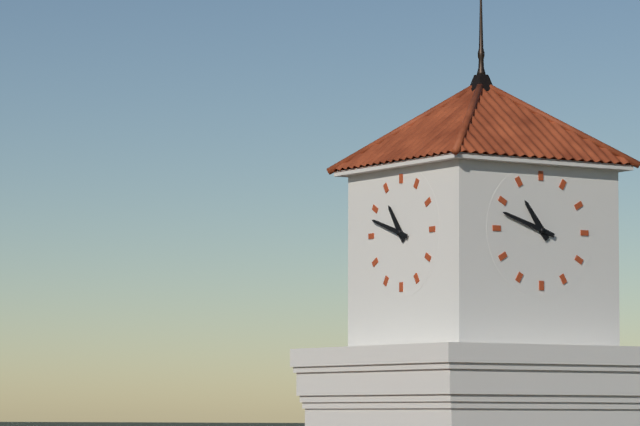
{"hour": 10, "minute": 48}
